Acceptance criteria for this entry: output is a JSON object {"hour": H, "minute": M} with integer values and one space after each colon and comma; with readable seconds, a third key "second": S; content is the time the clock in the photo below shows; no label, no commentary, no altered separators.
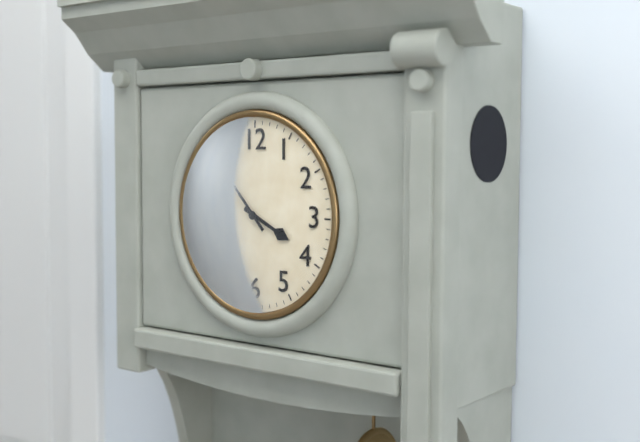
{"hour": 3, "minute": 53}
